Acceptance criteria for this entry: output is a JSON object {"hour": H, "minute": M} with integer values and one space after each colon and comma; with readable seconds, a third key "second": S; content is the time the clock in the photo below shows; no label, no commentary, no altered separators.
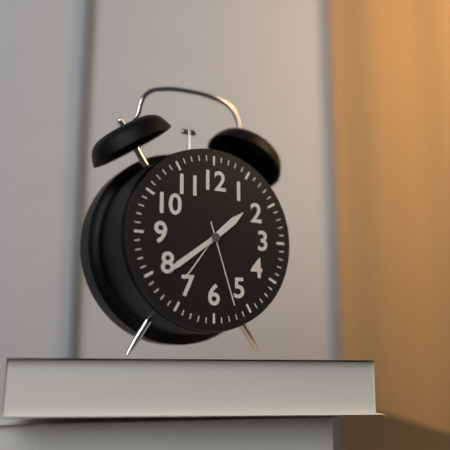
{"hour": 1, "minute": 39, "second": 27}
